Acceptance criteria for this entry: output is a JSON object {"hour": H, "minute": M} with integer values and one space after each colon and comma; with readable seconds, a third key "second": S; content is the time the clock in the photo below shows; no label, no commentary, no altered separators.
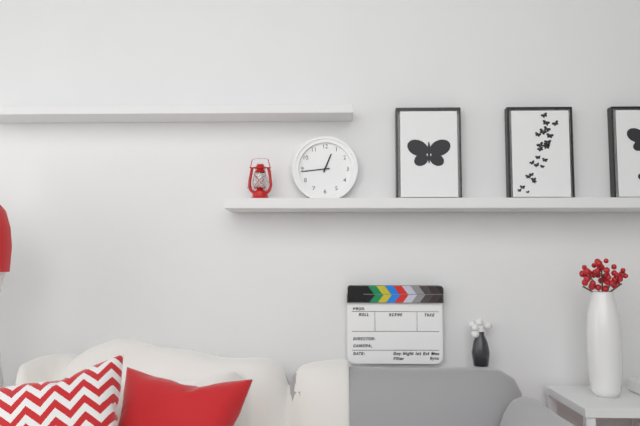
{"hour": 12, "minute": 44}
